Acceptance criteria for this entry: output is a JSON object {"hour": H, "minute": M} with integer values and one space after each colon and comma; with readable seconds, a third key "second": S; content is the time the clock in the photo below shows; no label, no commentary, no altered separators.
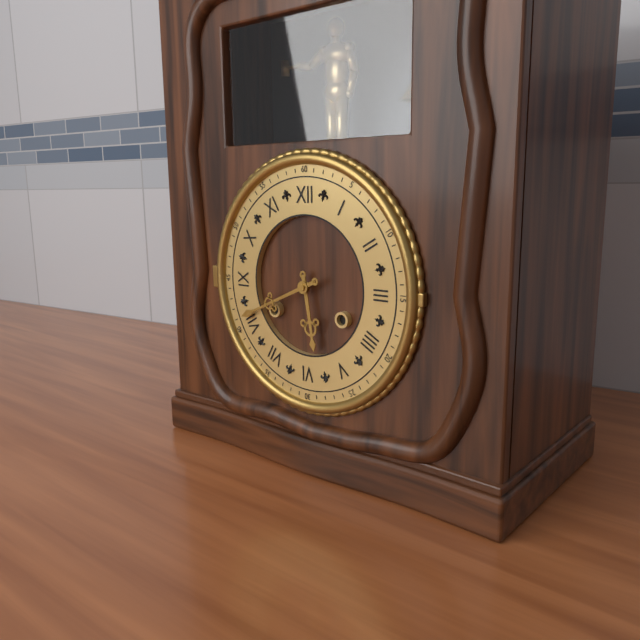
{"hour": 5, "minute": 41}
